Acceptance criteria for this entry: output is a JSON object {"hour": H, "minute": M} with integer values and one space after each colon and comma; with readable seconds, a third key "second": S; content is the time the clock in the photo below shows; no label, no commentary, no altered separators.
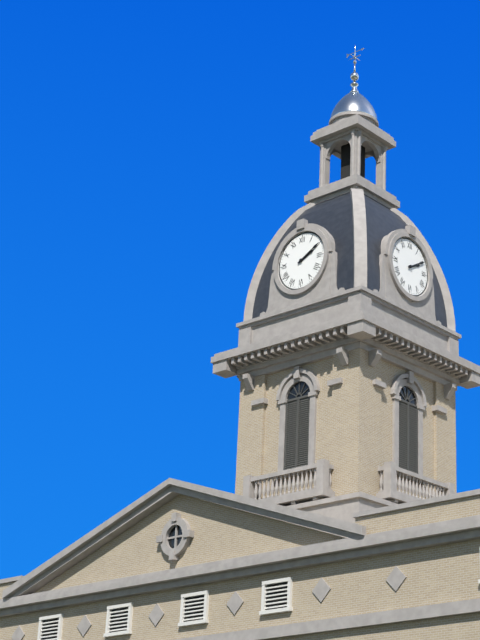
{"hour": 2, "minute": 10}
